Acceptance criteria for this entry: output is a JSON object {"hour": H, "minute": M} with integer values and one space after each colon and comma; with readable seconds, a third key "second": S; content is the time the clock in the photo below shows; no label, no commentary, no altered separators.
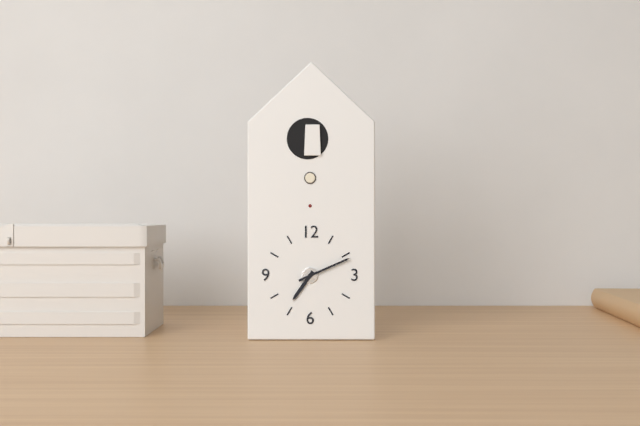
{"hour": 7, "minute": 11}
